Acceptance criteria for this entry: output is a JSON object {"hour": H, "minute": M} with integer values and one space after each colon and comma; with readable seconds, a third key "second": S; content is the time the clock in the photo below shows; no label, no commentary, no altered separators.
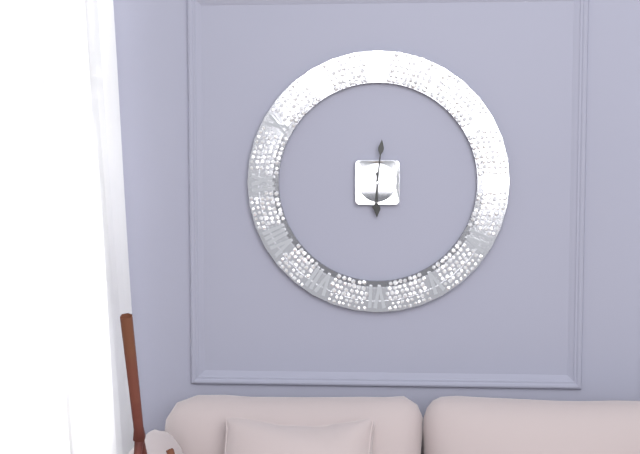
{"hour": 6, "minute": 1}
